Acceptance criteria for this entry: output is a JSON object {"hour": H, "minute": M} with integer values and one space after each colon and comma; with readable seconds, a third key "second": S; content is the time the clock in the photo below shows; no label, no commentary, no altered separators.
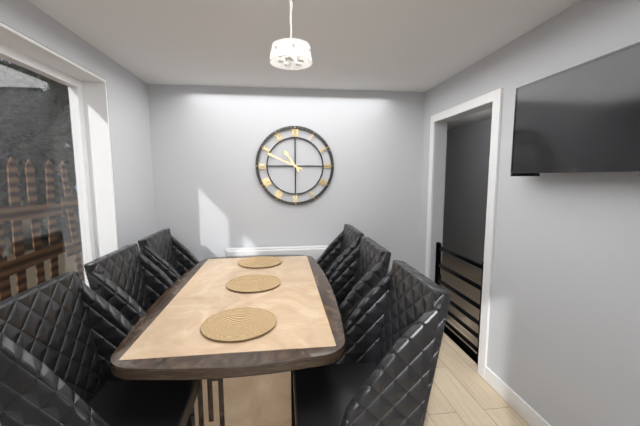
{"hour": 10, "minute": 49}
